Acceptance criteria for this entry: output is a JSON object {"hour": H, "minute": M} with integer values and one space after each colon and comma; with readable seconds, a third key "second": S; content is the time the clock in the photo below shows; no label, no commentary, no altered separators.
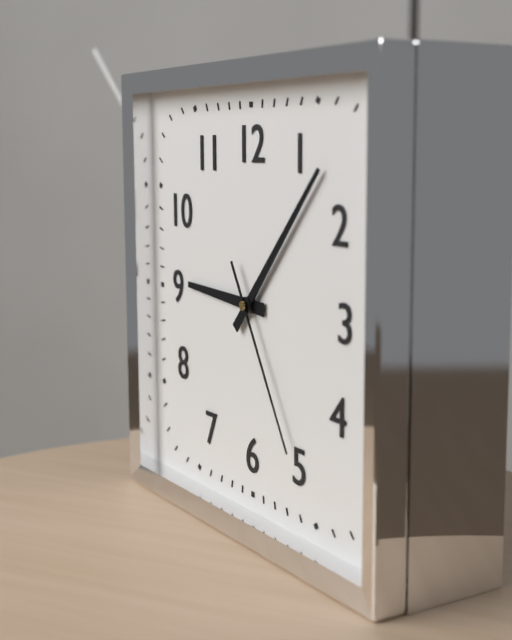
{"hour": 9, "minute": 7, "second": 25}
